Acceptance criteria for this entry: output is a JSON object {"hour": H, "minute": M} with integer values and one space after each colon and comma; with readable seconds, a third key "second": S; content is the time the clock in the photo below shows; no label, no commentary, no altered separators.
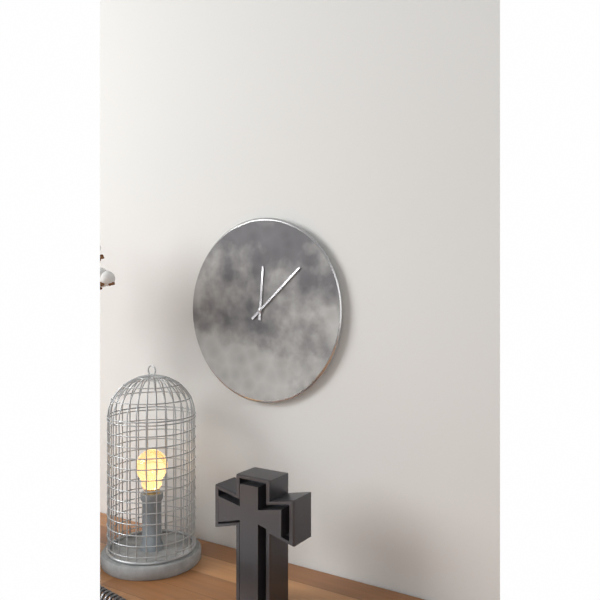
{"hour": 12, "minute": 8}
